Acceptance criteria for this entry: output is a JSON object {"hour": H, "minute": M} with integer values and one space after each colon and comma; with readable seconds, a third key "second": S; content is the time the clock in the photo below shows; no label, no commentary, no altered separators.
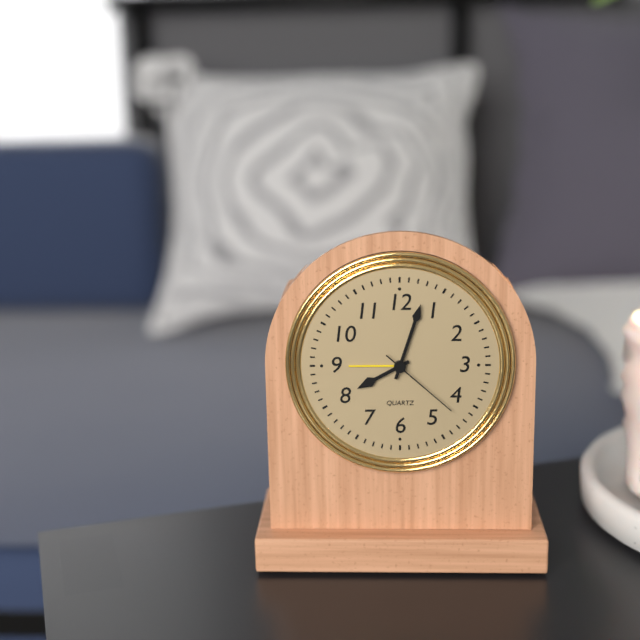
{"hour": 8, "minute": 3, "second": 22}
